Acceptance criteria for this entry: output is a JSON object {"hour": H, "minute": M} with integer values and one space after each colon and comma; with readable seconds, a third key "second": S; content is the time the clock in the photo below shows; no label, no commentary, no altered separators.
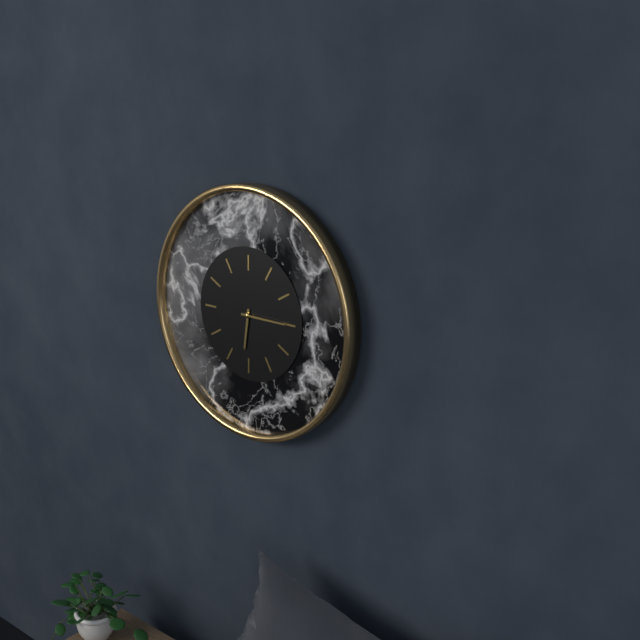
{"hour": 6, "minute": 15}
